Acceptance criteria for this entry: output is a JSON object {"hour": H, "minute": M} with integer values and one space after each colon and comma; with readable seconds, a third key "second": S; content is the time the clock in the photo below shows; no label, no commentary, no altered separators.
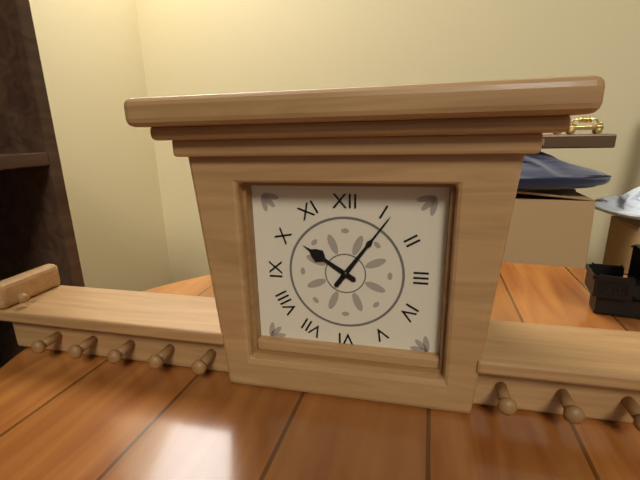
{"hour": 10, "minute": 6}
